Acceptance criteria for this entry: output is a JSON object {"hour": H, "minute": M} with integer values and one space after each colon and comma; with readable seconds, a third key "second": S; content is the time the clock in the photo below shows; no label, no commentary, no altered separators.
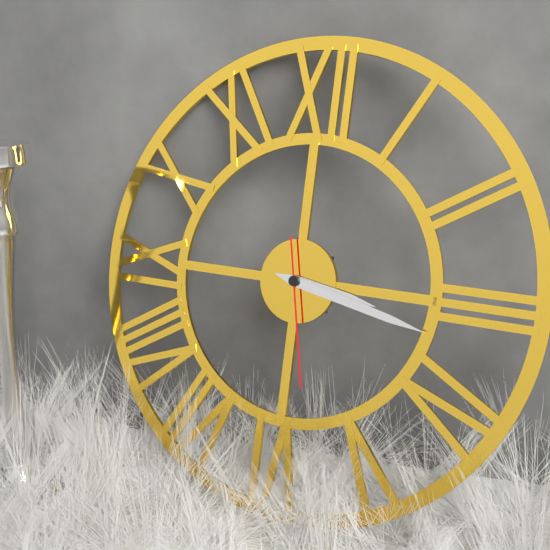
{"hour": 3, "minute": 17, "second": 28}
